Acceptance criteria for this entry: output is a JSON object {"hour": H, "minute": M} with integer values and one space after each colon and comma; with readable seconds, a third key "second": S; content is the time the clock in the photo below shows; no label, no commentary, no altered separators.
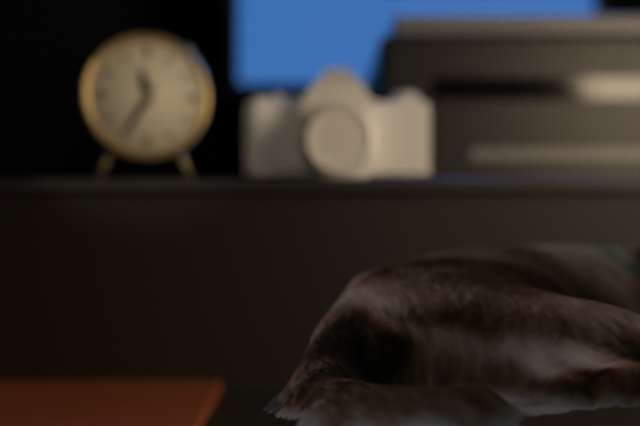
{"hour": 11, "minute": 35}
